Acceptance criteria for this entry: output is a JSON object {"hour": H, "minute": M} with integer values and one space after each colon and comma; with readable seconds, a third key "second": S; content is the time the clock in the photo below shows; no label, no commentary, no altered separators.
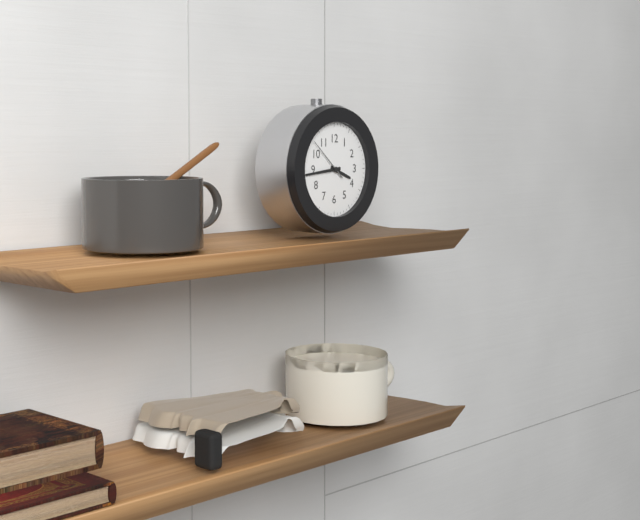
{"hour": 3, "minute": 44}
